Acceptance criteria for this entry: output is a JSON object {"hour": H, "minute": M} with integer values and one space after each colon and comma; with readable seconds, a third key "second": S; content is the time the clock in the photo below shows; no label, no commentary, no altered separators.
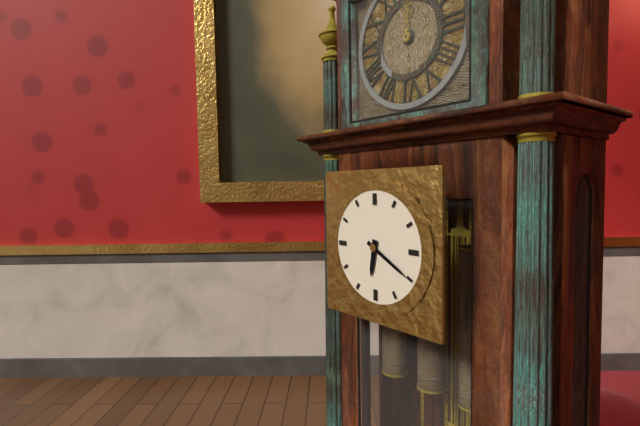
{"hour": 6, "minute": 20}
